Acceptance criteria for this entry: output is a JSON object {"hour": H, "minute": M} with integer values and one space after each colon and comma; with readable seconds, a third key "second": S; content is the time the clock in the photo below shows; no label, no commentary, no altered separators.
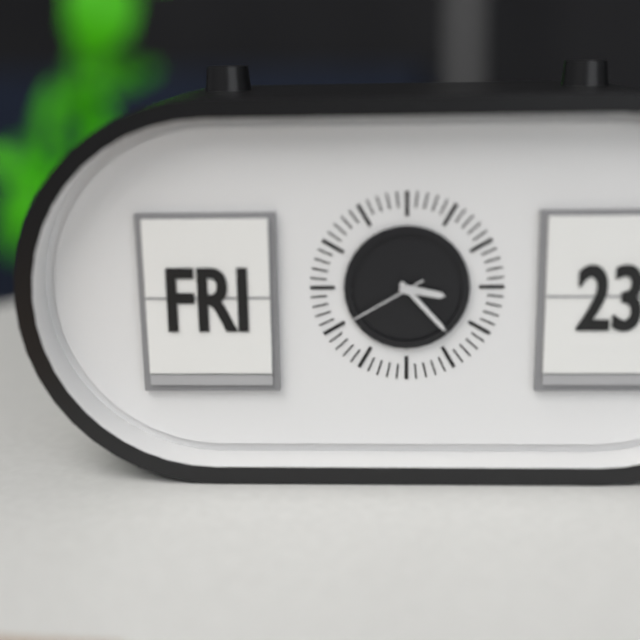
{"hour": 3, "minute": 23, "second": 40}
